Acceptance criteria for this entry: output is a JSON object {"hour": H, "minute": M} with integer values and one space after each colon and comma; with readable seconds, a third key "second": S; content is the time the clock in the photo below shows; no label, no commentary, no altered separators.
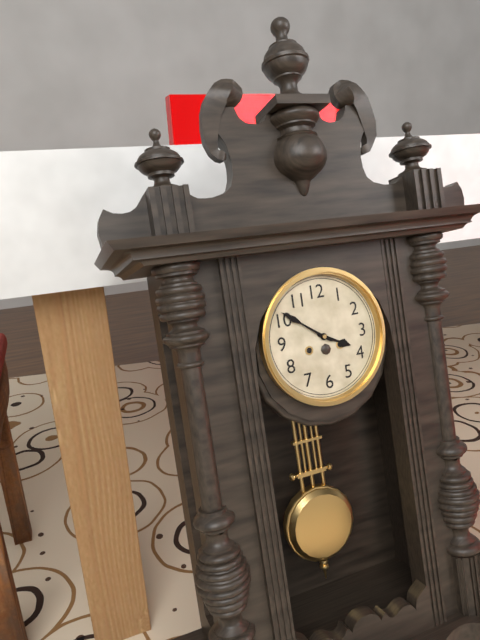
{"hour": 3, "minute": 51}
